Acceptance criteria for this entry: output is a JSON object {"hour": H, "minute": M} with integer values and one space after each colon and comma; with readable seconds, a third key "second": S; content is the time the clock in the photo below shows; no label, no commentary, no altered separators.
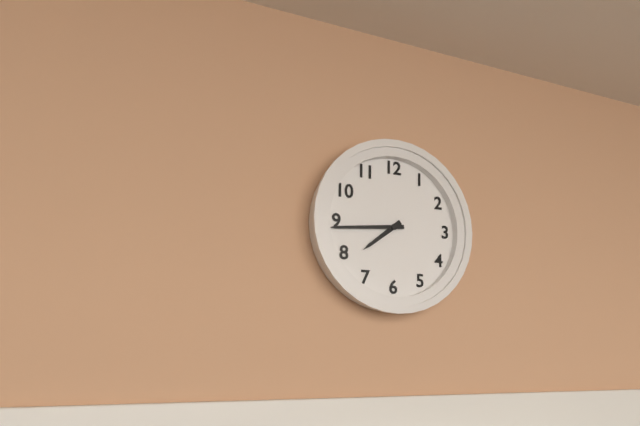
{"hour": 7, "minute": 44}
